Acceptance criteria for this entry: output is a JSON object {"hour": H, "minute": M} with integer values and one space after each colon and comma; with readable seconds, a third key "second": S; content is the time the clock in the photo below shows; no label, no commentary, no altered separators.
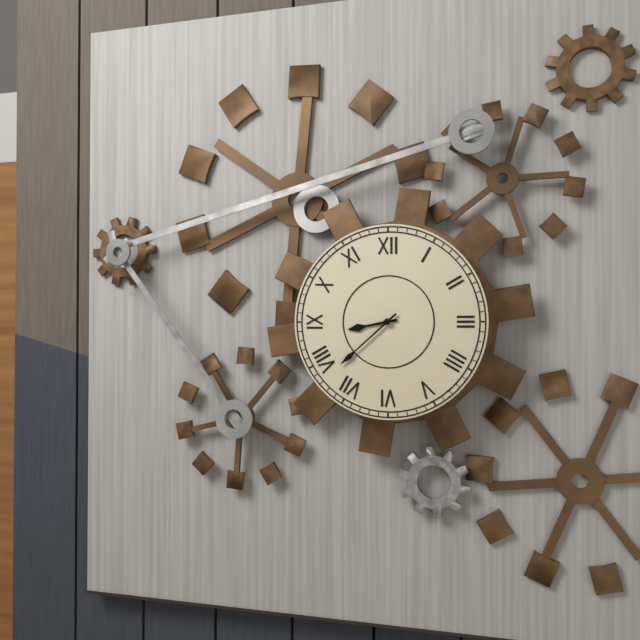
{"hour": 8, "minute": 38}
